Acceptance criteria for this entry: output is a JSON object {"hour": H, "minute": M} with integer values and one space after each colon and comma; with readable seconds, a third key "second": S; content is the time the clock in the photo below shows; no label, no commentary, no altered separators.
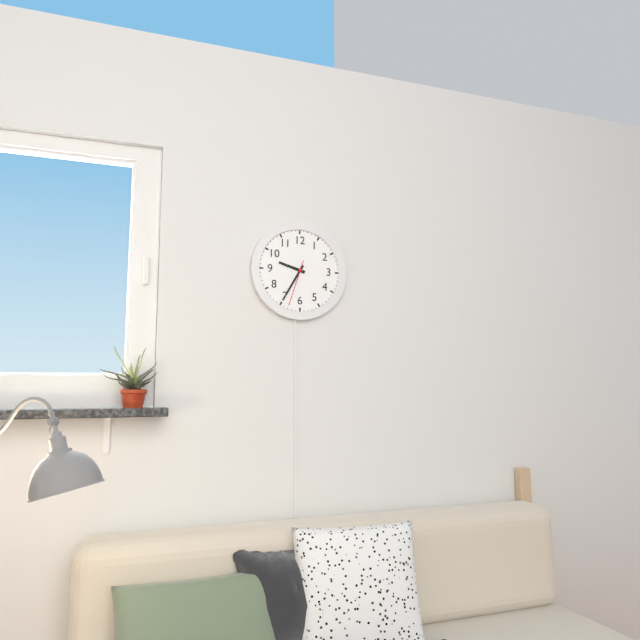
{"hour": 9, "minute": 35}
